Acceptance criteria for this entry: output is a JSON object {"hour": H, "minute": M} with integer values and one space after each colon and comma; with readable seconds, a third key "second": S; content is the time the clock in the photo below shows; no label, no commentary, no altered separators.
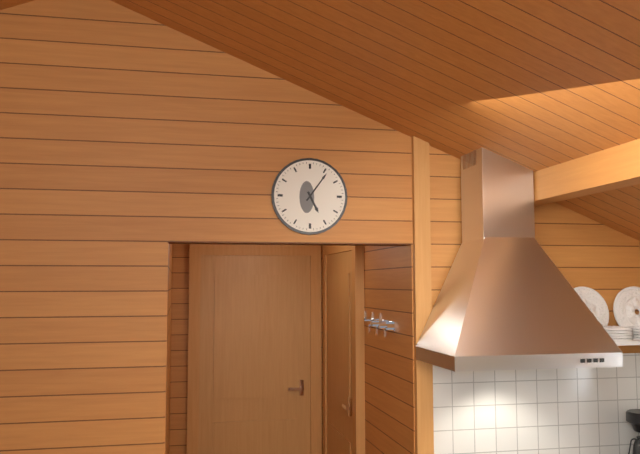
{"hour": 5, "minute": 6}
